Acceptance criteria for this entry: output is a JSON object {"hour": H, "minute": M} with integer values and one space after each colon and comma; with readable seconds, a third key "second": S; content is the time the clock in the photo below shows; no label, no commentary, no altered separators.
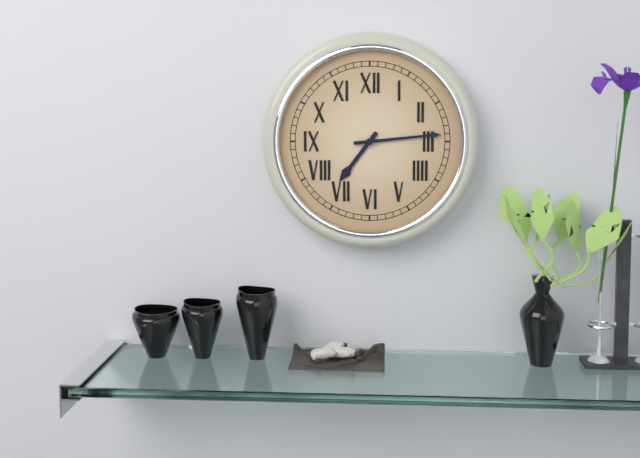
{"hour": 7, "minute": 14}
